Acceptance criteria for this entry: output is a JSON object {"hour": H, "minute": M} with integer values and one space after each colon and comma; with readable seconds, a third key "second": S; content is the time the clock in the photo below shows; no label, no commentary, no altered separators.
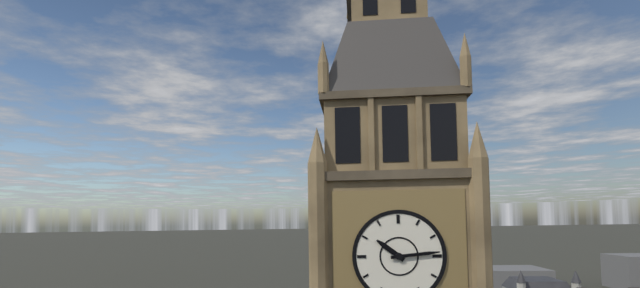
{"hour": 10, "minute": 14}
